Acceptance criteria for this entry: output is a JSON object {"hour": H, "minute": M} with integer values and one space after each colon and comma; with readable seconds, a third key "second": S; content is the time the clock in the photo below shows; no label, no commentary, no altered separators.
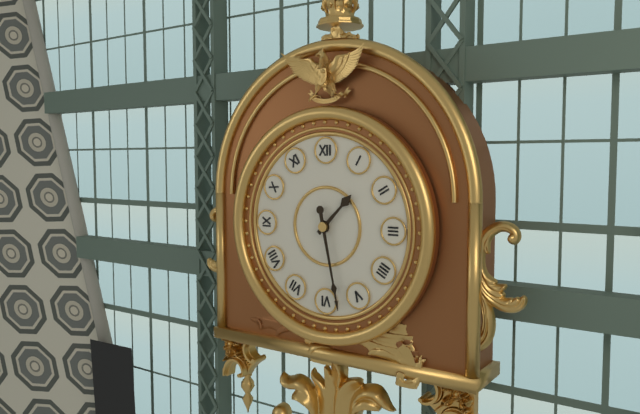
{"hour": 1, "minute": 28}
